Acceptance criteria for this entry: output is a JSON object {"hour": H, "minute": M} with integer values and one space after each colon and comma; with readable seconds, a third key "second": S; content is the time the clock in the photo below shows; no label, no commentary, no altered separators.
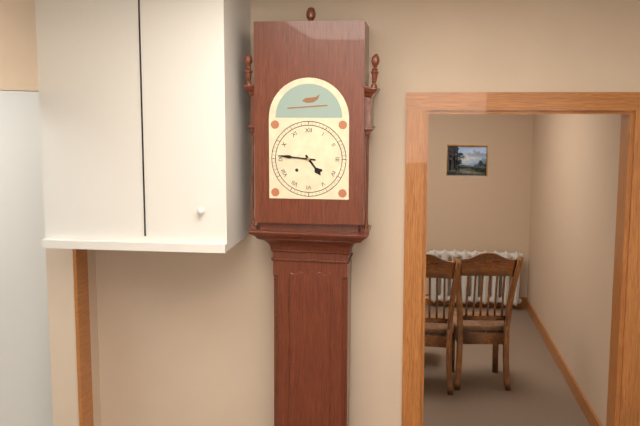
{"hour": 4, "minute": 46}
